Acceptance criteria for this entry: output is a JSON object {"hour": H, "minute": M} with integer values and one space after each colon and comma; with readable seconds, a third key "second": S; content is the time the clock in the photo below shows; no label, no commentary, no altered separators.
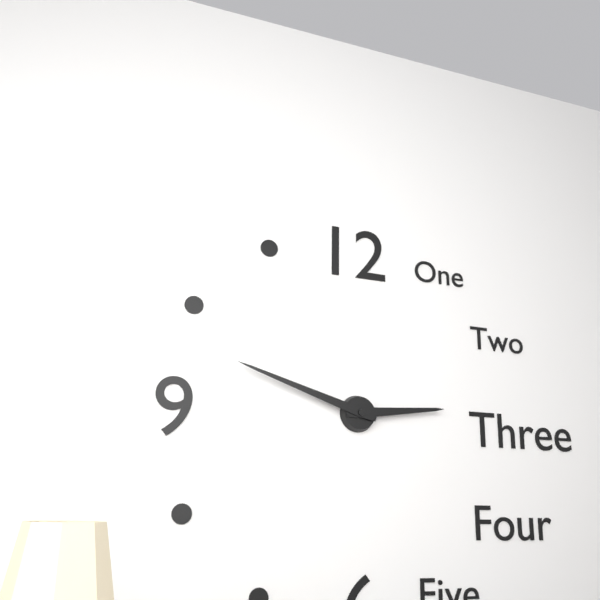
{"hour": 2, "minute": 48}
